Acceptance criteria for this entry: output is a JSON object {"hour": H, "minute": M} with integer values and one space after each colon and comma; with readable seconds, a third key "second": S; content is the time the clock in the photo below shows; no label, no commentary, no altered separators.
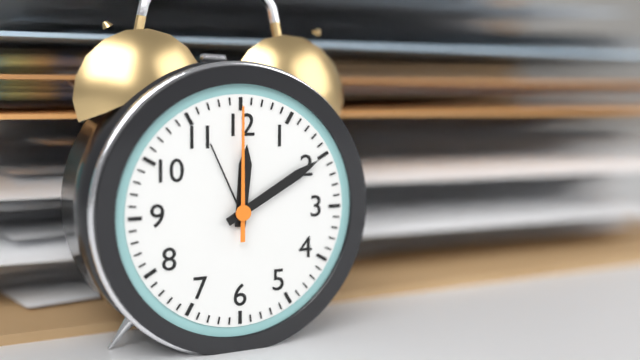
{"hour": 12, "minute": 10, "second": 0}
